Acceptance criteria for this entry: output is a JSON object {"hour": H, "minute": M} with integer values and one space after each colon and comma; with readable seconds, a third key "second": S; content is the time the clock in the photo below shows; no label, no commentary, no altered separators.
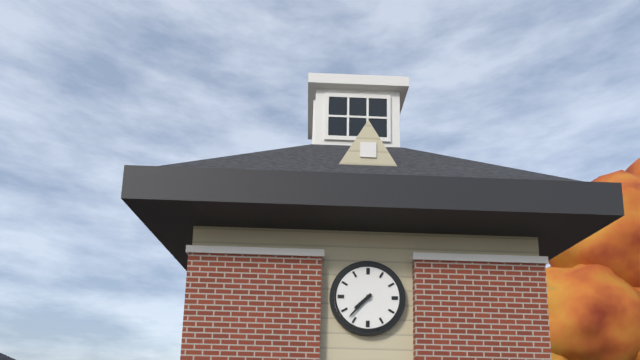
{"hour": 7, "minute": 37}
